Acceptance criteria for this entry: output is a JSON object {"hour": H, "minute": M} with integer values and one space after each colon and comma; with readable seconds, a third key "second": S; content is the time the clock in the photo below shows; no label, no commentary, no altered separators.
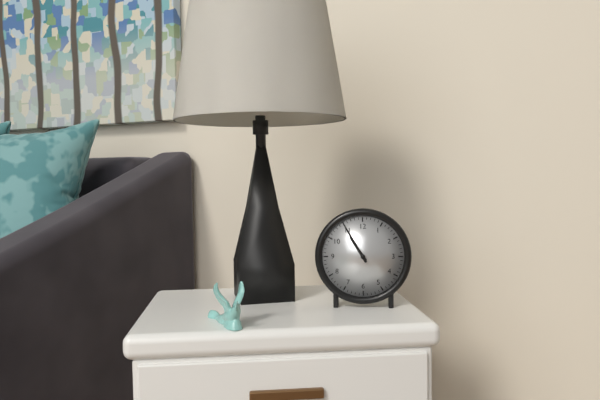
{"hour": 10, "minute": 55}
